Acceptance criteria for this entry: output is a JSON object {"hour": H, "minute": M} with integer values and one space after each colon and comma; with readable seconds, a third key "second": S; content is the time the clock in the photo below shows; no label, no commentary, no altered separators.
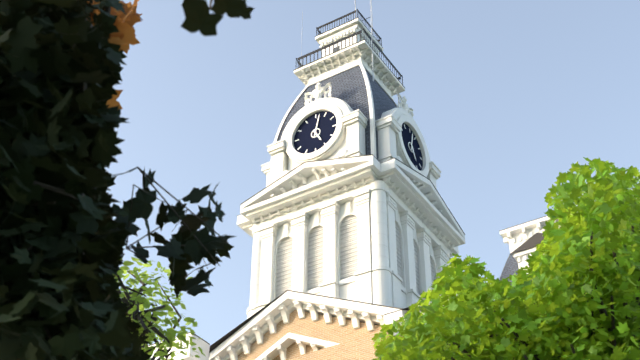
{"hour": 5, "minute": 2}
